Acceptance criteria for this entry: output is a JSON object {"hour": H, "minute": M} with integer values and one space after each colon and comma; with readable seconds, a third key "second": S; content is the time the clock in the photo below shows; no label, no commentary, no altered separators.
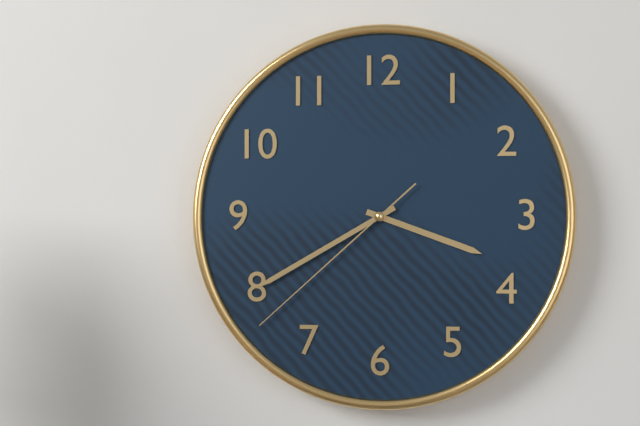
{"hour": 3, "minute": 40, "second": 38}
